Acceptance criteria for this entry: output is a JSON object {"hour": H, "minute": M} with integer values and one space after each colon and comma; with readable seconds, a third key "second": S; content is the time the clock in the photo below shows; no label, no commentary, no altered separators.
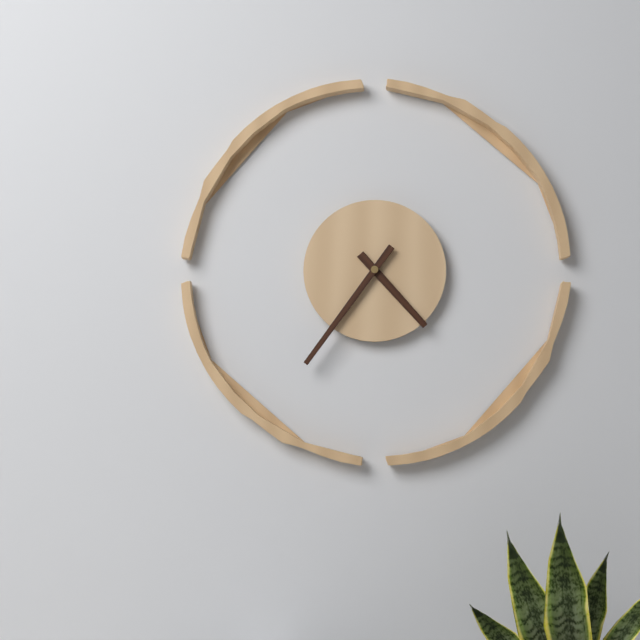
{"hour": 4, "minute": 36}
